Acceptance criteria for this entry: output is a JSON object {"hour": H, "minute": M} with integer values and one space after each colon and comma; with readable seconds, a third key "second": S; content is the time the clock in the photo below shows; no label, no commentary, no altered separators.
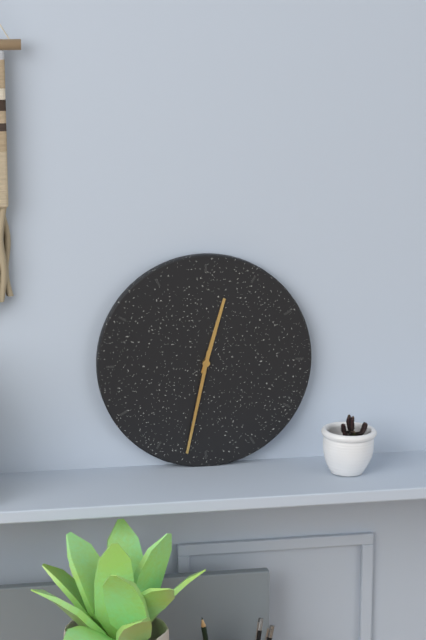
{"hour": 12, "minute": 32}
